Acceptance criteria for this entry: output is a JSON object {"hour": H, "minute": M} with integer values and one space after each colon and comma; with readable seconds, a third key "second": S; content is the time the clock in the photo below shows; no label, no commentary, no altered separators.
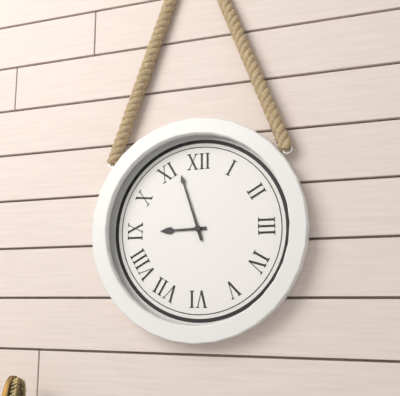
{"hour": 8, "minute": 57}
